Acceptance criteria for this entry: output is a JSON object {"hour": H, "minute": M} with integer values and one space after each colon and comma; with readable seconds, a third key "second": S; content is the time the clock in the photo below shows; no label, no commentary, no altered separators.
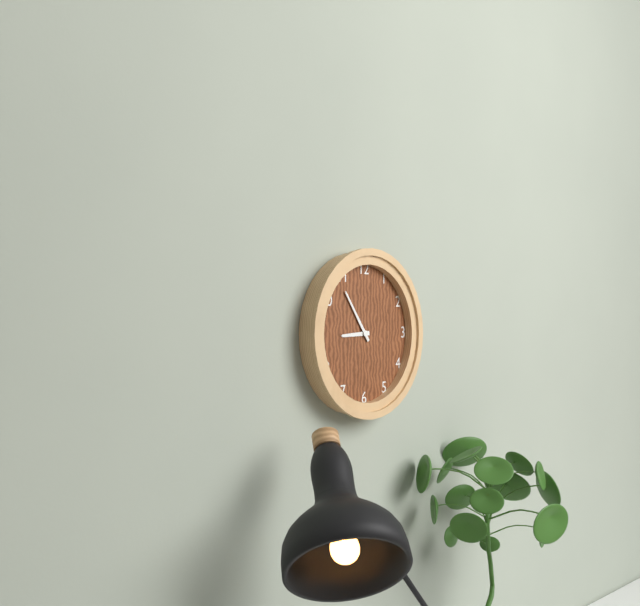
{"hour": 8, "minute": 54}
